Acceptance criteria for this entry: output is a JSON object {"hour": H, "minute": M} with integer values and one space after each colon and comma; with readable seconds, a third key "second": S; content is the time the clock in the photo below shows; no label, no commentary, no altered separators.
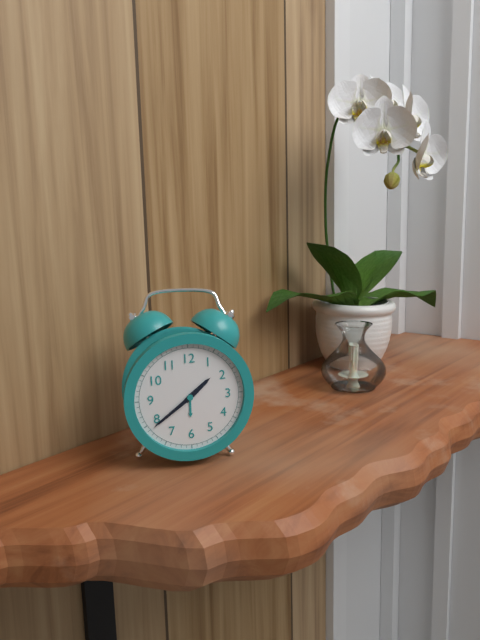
{"hour": 1, "minute": 39}
